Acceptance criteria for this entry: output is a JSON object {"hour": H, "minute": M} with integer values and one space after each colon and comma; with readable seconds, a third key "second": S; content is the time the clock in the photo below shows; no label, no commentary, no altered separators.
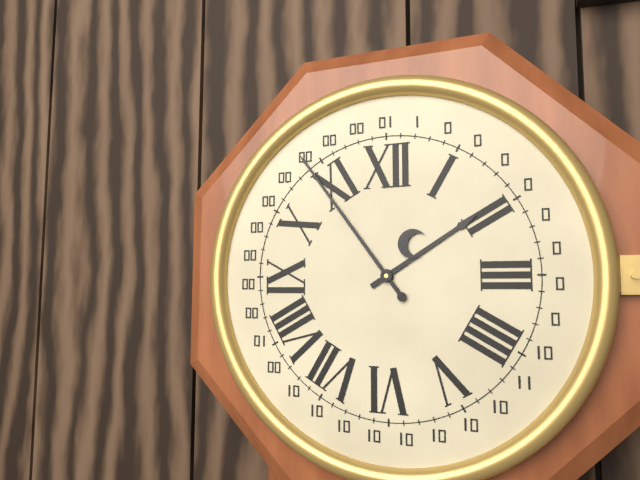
{"hour": 1, "minute": 54}
